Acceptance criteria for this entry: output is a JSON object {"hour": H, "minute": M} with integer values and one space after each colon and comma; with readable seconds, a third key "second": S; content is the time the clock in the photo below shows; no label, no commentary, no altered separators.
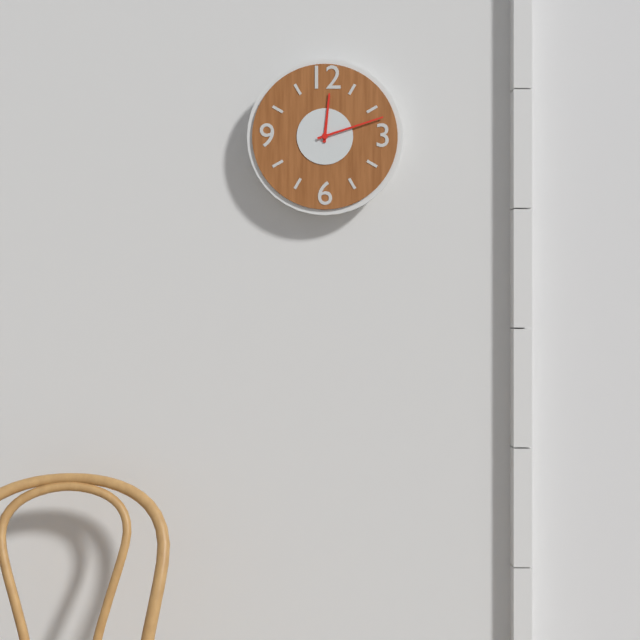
{"hour": 12, "minute": 12}
